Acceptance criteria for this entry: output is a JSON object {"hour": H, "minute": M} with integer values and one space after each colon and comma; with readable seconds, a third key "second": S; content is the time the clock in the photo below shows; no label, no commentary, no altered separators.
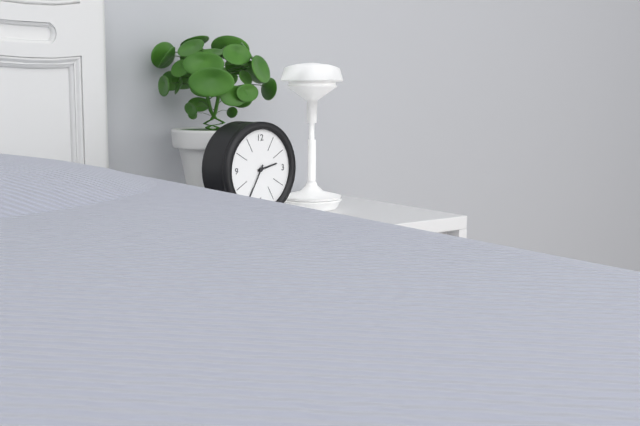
{"hour": 2, "minute": 35}
